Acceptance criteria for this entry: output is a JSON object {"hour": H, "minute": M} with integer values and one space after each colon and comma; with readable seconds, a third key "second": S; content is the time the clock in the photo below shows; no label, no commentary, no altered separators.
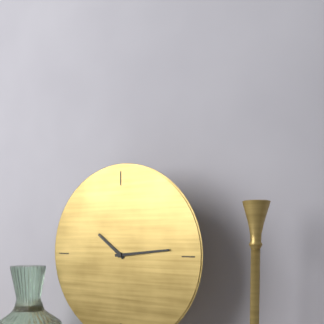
{"hour": 10, "minute": 14}
